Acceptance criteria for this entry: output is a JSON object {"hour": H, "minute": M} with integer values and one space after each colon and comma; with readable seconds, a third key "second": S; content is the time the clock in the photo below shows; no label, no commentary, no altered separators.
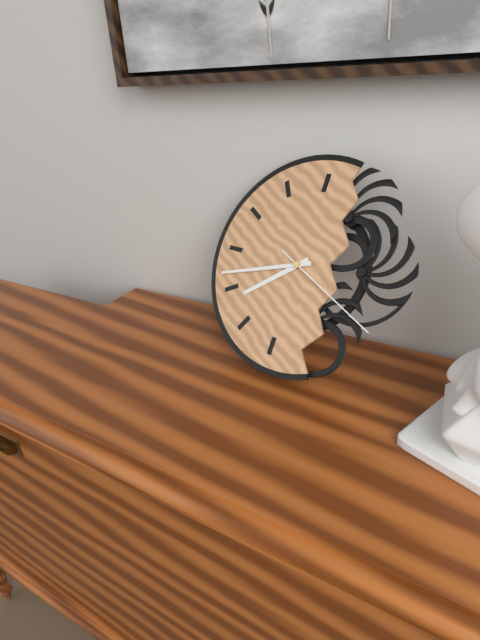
{"hour": 7, "minute": 42, "second": 19}
